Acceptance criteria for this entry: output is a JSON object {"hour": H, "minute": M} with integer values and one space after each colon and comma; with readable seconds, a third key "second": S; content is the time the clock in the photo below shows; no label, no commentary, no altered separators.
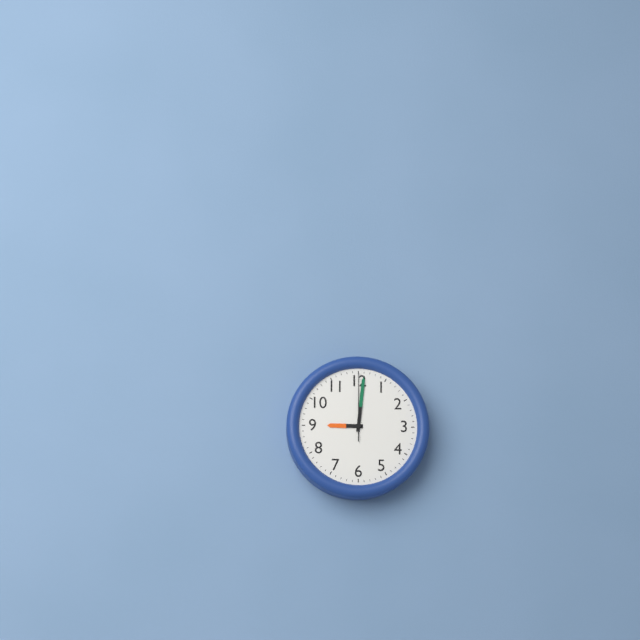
{"hour": 9, "minute": 1, "second": 0}
